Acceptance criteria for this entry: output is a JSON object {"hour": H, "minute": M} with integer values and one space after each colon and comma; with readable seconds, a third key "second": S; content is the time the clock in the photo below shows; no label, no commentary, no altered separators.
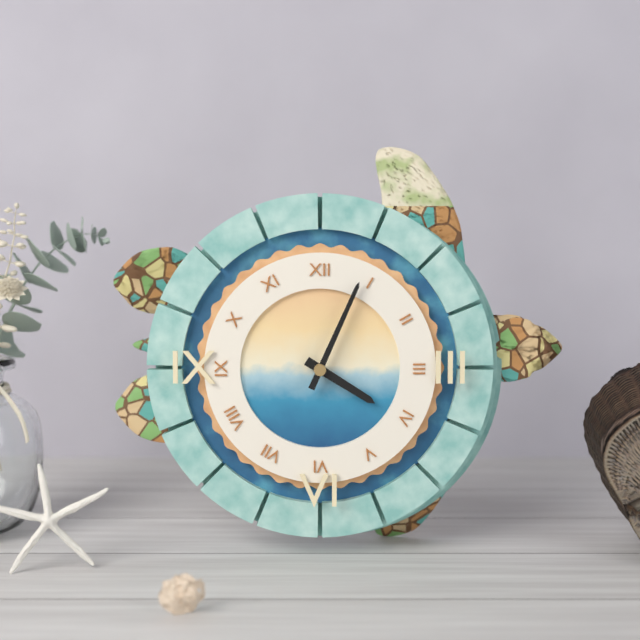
{"hour": 4, "minute": 4}
